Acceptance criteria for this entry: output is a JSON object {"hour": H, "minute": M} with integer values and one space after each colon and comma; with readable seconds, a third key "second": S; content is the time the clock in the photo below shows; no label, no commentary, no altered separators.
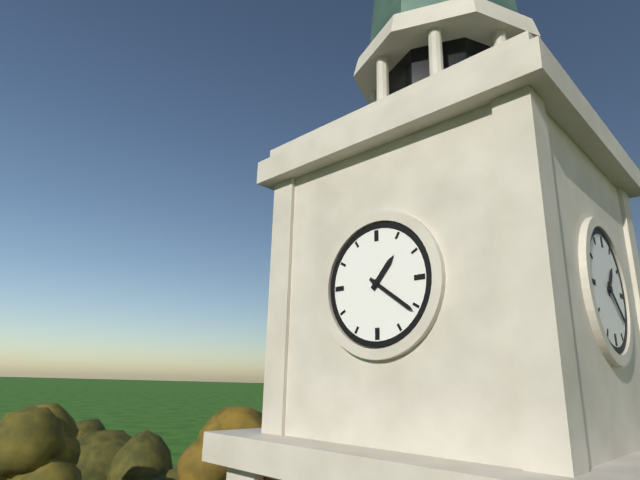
{"hour": 1, "minute": 21}
